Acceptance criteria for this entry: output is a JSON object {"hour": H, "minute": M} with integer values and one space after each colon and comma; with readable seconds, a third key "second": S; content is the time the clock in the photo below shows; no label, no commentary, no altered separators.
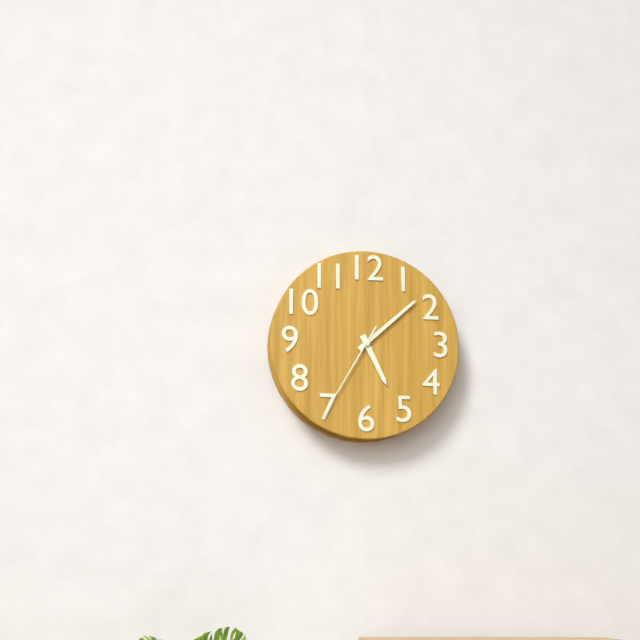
{"hour": 5, "minute": 8, "second": 35}
